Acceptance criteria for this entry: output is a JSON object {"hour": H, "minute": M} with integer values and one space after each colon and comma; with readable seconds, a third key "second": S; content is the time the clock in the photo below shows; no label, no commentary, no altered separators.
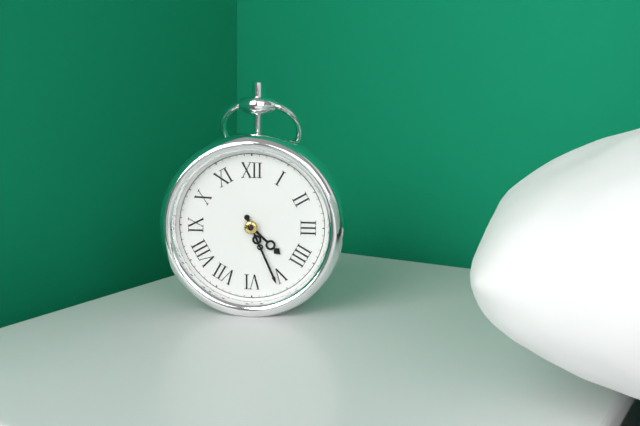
{"hour": 4, "minute": 26}
